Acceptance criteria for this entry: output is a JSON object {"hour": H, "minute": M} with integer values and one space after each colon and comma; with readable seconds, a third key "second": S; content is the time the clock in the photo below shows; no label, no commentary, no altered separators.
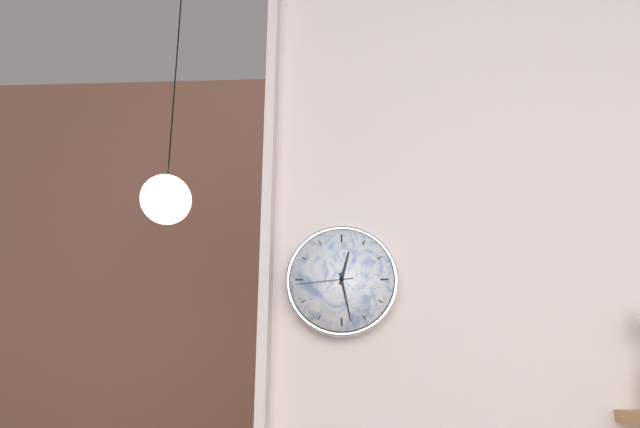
{"hour": 12, "minute": 28, "second": 44}
